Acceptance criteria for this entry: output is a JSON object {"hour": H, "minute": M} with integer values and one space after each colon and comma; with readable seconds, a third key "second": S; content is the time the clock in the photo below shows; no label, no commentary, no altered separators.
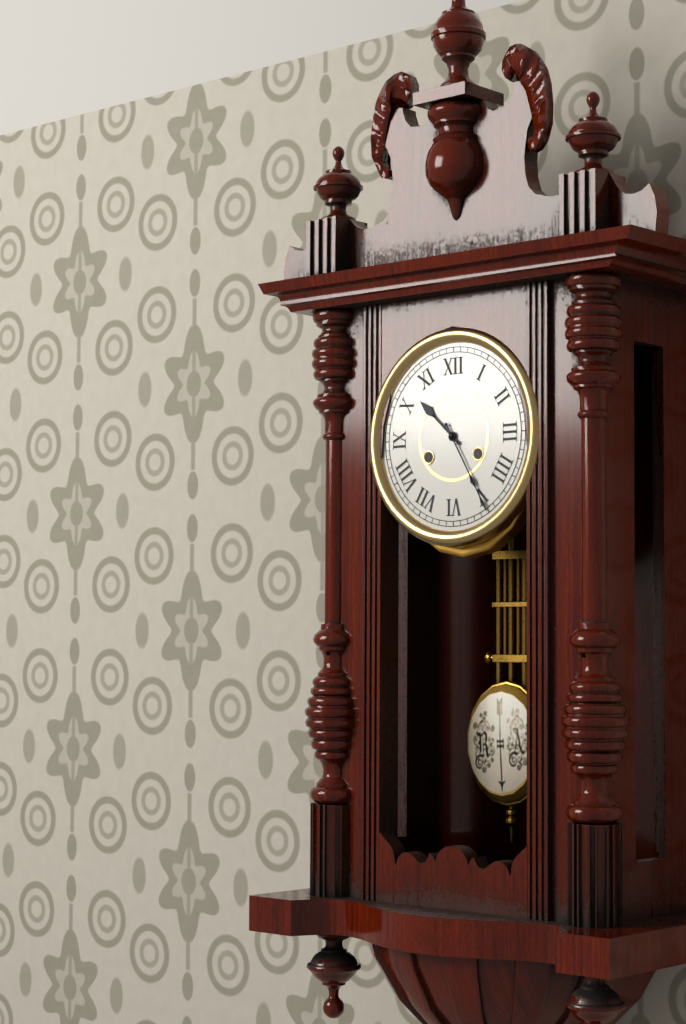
{"hour": 10, "minute": 25}
